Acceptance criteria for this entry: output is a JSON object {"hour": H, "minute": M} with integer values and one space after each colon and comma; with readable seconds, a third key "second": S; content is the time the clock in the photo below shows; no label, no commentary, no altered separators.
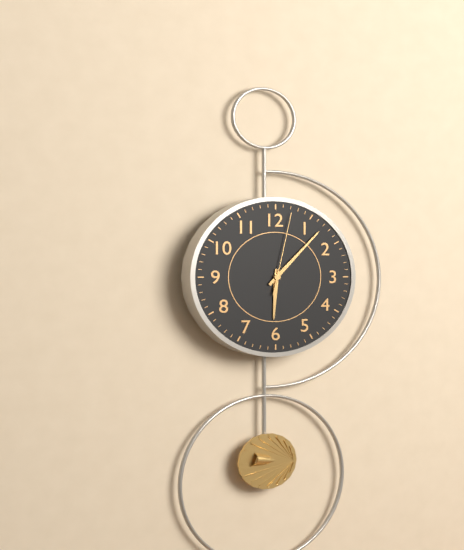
{"hour": 6, "minute": 7, "second": 2}
